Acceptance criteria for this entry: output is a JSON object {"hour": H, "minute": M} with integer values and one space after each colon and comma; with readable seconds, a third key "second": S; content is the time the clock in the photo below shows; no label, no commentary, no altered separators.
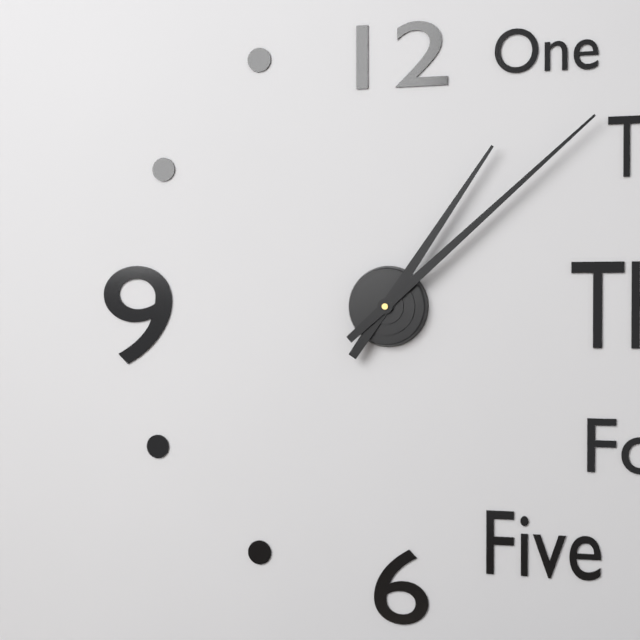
{"hour": 1, "minute": 8}
